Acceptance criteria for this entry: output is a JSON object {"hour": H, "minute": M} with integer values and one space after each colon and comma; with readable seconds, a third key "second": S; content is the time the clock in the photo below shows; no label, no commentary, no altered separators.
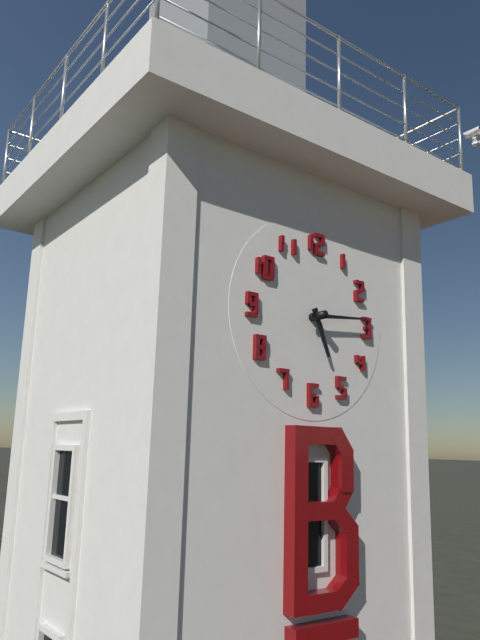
{"hour": 5, "minute": 14}
